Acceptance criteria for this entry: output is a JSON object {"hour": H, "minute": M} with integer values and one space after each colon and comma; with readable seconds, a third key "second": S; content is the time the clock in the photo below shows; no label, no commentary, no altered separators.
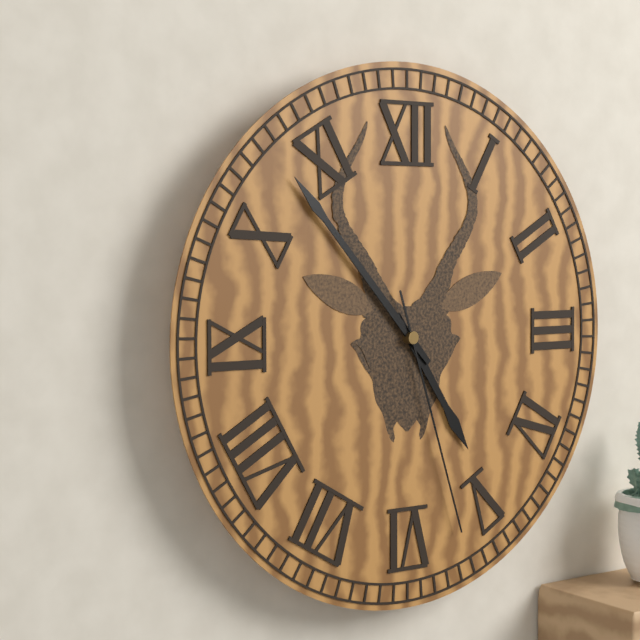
{"hour": 4, "minute": 53, "second": 27}
